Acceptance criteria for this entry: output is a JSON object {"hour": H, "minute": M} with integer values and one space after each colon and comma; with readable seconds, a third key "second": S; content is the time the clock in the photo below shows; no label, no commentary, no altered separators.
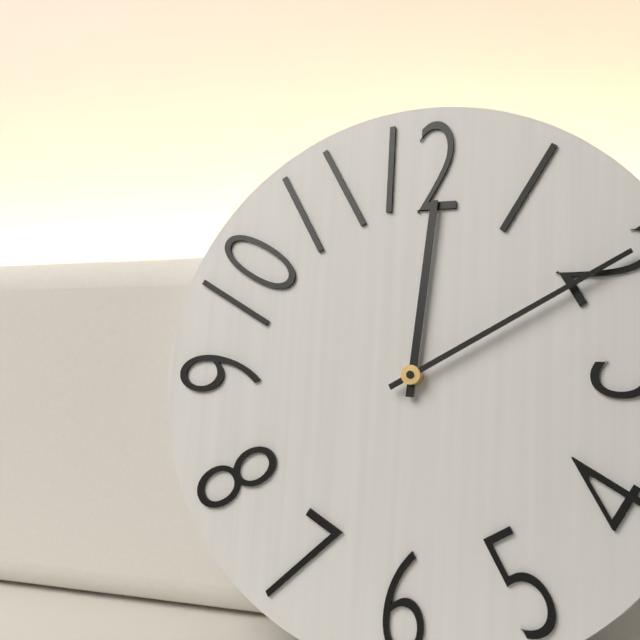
{"hour": 12, "minute": 10}
